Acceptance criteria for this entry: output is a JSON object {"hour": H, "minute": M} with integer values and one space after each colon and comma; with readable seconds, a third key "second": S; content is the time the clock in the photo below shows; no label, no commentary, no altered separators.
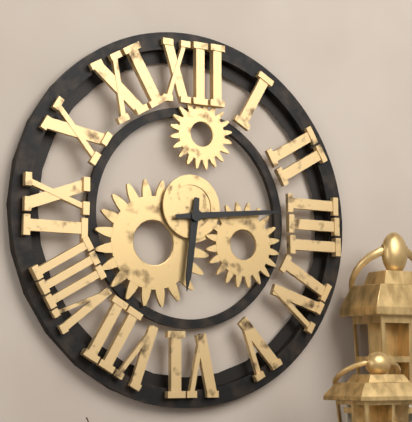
{"hour": 6, "minute": 14}
